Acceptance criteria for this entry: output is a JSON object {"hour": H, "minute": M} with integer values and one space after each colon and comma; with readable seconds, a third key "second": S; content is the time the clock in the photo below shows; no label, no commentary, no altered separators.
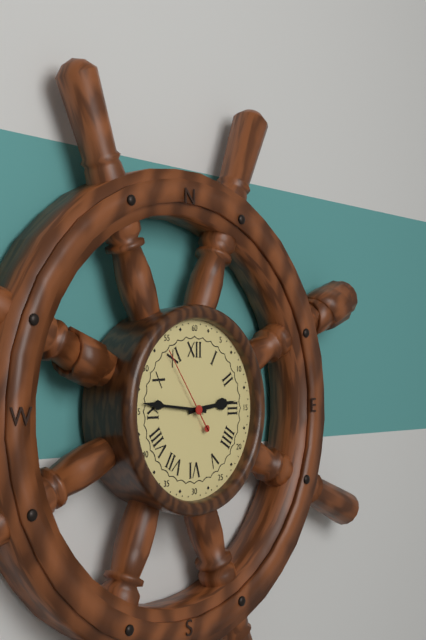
{"hour": 2, "minute": 46, "second": 54}
